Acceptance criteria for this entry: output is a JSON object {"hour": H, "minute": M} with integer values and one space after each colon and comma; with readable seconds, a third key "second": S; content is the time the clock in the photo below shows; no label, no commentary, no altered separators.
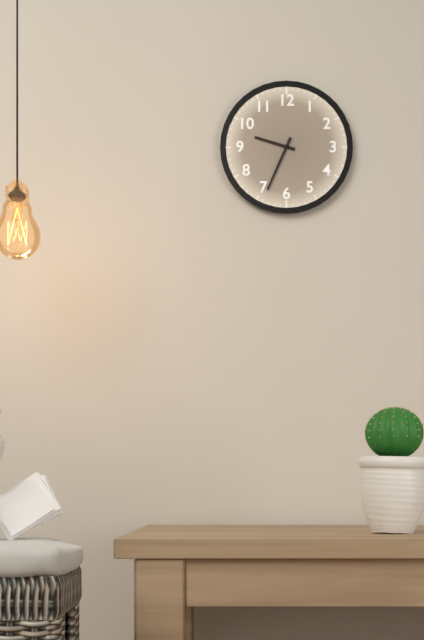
{"hour": 9, "minute": 34}
